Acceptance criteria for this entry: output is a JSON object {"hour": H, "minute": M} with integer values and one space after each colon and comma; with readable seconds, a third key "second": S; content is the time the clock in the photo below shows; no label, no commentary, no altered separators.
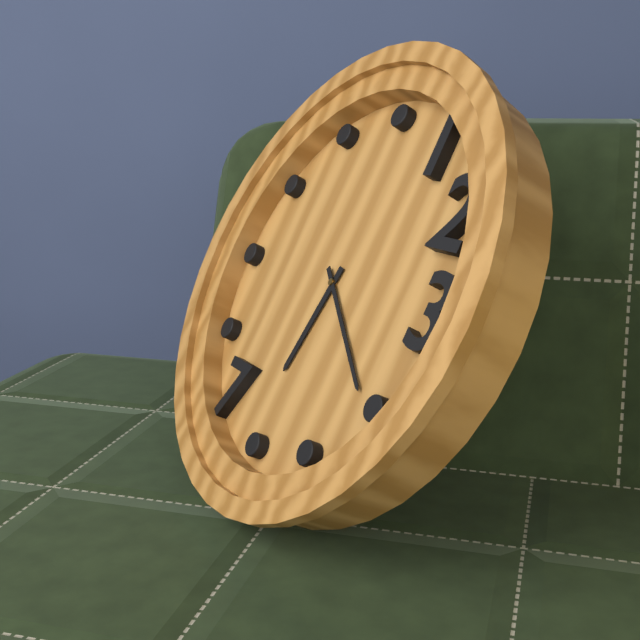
{"hour": 6, "minute": 21}
